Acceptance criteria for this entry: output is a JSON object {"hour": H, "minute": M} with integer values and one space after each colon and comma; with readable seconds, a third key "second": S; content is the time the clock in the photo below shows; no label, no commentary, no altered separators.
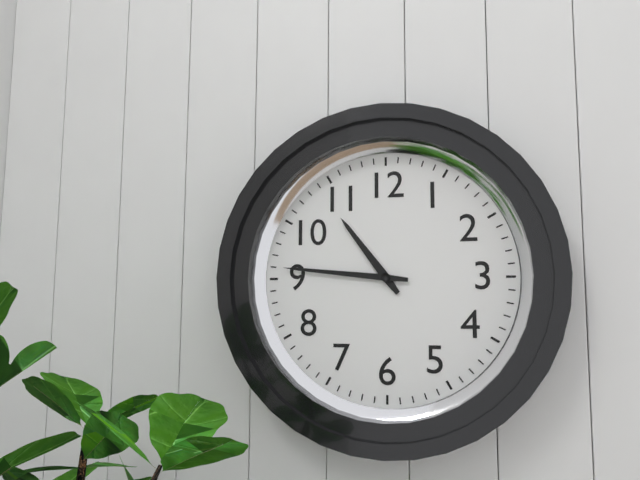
{"hour": 10, "minute": 46}
